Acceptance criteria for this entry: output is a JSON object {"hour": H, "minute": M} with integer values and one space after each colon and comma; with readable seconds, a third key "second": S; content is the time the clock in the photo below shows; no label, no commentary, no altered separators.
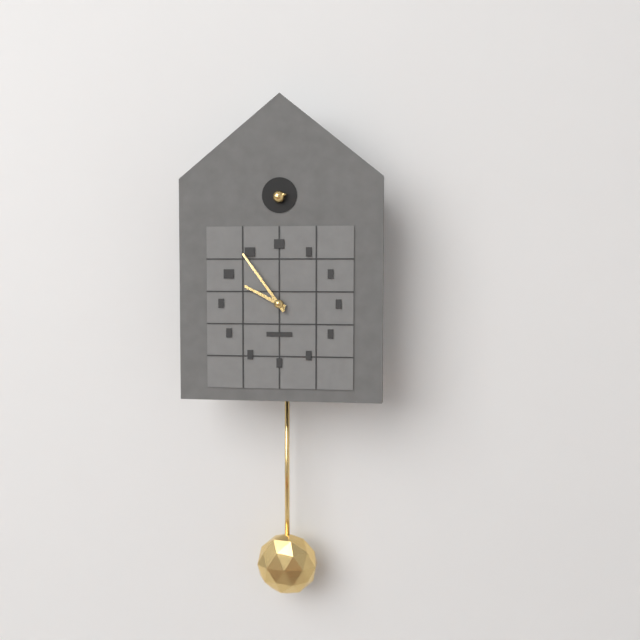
{"hour": 9, "minute": 54}
